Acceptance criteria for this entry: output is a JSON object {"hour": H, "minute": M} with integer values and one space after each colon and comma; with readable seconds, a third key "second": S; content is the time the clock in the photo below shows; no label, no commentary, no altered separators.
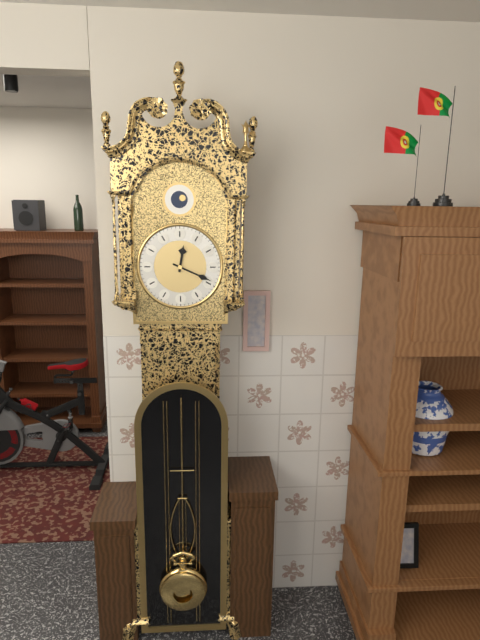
{"hour": 12, "minute": 19}
